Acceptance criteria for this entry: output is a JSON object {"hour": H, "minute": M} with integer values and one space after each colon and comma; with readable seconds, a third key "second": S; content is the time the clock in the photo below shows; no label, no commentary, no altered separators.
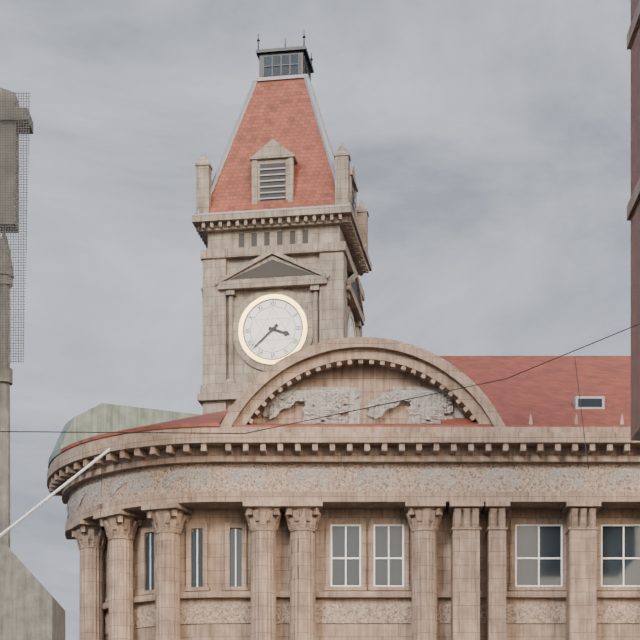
{"hour": 3, "minute": 38}
